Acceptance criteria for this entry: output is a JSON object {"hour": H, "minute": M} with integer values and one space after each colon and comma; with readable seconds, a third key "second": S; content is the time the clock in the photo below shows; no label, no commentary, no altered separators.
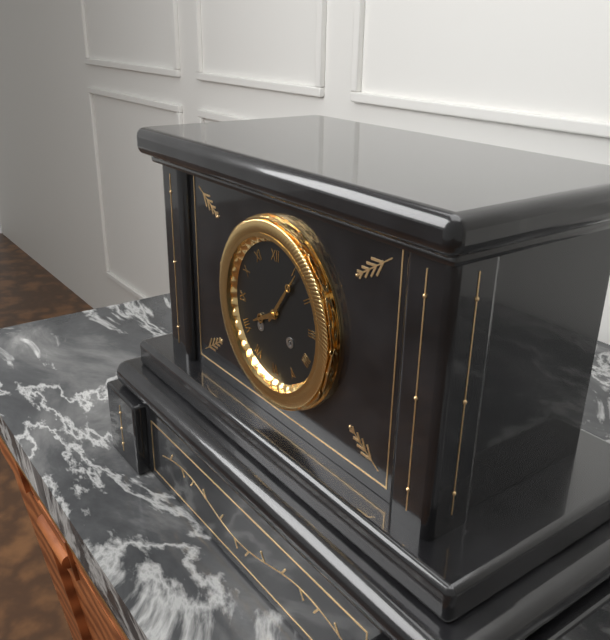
{"hour": 8, "minute": 6}
